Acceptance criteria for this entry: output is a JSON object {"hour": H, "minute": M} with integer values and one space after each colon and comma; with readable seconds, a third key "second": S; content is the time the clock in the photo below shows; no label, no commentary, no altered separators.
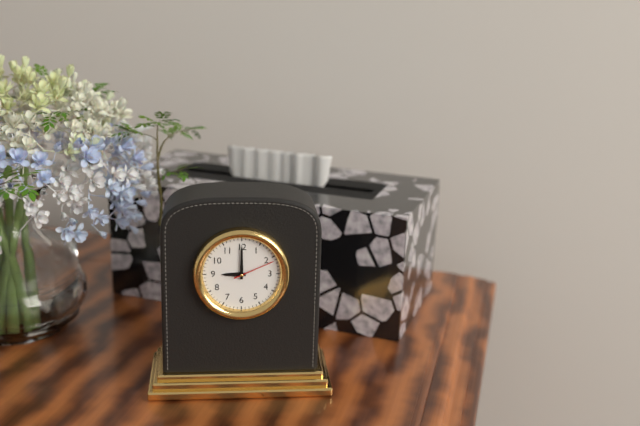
{"hour": 9, "minute": 0}
